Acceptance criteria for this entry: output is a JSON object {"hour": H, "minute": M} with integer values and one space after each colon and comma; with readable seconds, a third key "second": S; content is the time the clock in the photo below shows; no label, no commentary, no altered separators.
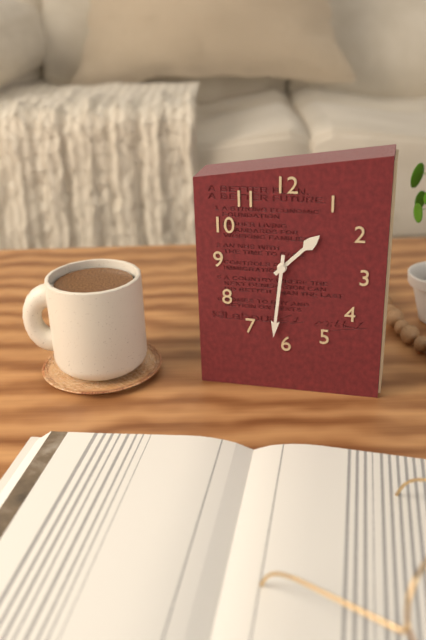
{"hour": 1, "minute": 31}
